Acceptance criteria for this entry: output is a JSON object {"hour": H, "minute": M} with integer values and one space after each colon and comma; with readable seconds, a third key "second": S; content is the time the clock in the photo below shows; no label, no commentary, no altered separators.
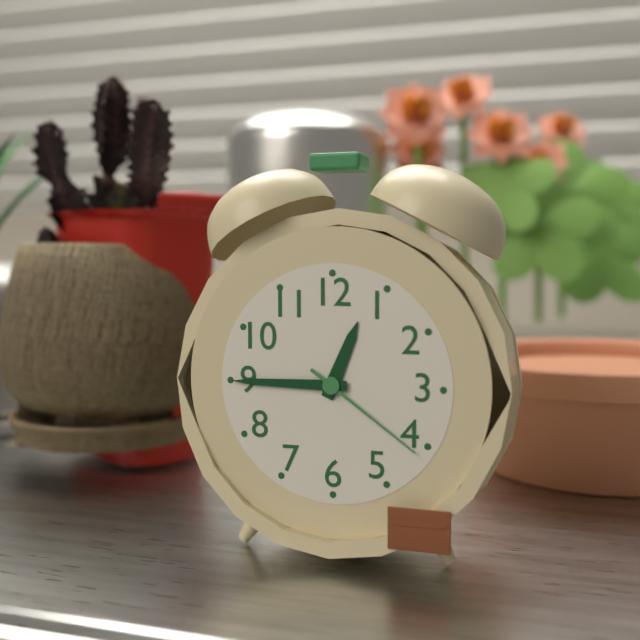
{"hour": 12, "minute": 45, "second": 21}
